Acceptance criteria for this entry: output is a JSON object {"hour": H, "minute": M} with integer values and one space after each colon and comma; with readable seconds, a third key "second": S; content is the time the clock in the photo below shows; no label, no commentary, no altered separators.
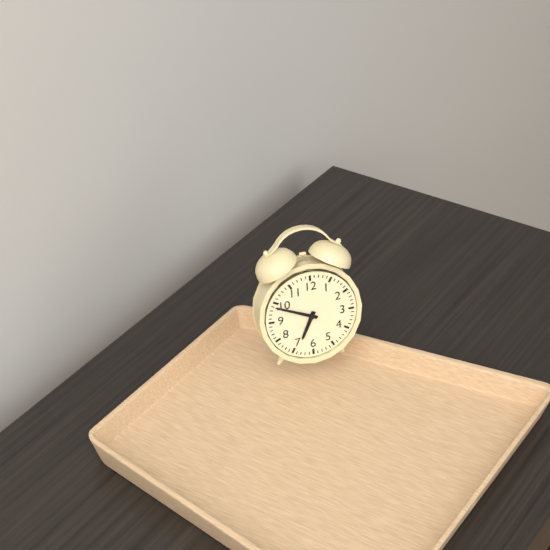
{"hour": 6, "minute": 49}
